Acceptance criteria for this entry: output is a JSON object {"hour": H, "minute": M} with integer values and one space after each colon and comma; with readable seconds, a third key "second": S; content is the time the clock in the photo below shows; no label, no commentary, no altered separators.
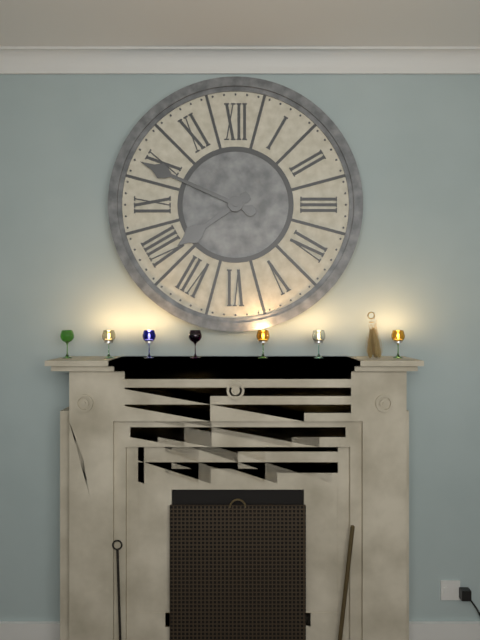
{"hour": 7, "minute": 49}
